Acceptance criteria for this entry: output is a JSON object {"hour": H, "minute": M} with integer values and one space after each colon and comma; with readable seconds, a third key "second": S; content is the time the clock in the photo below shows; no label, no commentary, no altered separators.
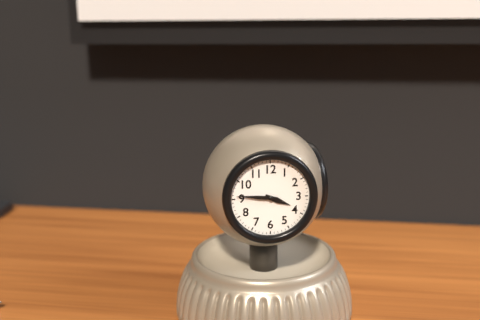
{"hour": 3, "minute": 46}
